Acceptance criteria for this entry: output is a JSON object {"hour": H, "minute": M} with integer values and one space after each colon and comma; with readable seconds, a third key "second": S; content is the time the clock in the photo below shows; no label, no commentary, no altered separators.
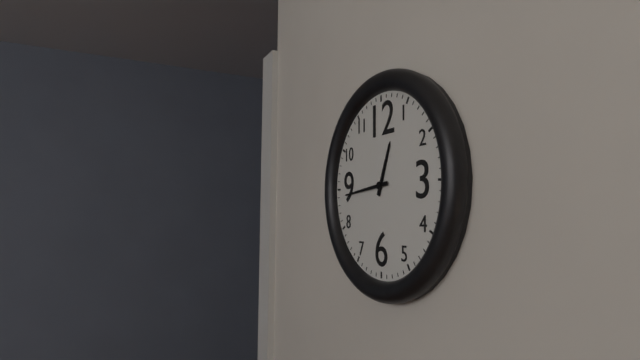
{"hour": 12, "minute": 44}
